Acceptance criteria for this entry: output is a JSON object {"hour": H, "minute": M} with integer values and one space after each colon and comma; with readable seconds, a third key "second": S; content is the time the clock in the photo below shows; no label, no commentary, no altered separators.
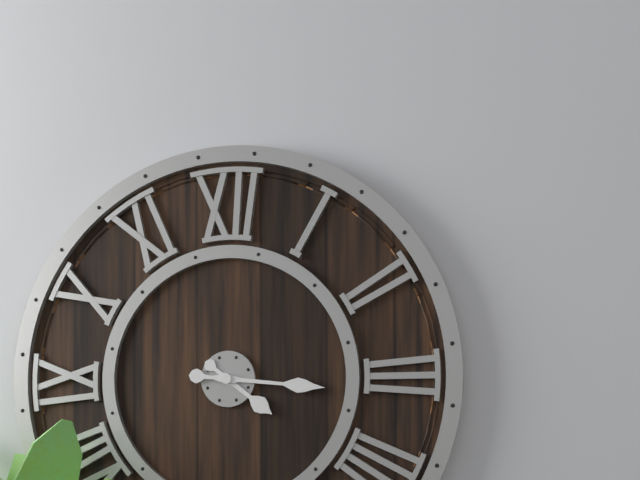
{"hour": 4, "minute": 16}
